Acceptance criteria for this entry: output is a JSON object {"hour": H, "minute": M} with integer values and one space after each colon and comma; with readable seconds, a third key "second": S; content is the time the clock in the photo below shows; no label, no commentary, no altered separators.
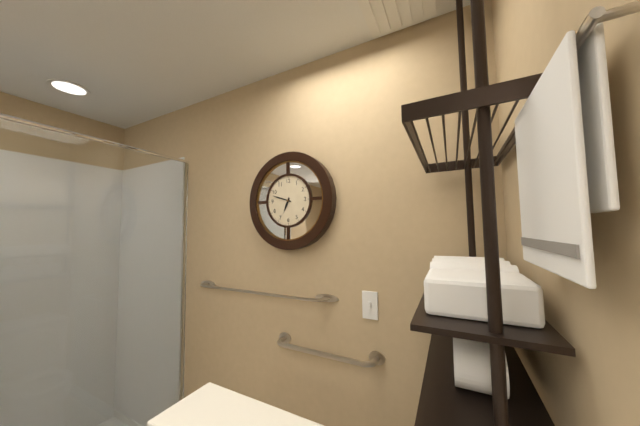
{"hour": 6, "minute": 48}
